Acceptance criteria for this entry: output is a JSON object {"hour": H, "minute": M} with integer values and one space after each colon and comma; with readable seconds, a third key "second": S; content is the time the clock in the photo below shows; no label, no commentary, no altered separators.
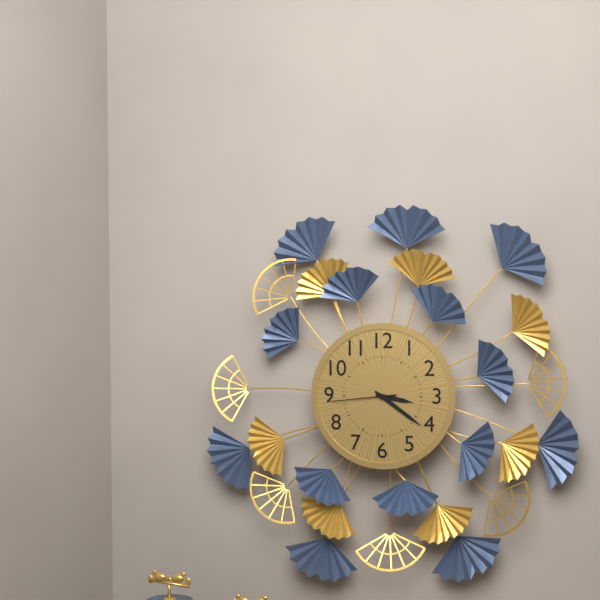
{"hour": 3, "minute": 21, "second": 44}
